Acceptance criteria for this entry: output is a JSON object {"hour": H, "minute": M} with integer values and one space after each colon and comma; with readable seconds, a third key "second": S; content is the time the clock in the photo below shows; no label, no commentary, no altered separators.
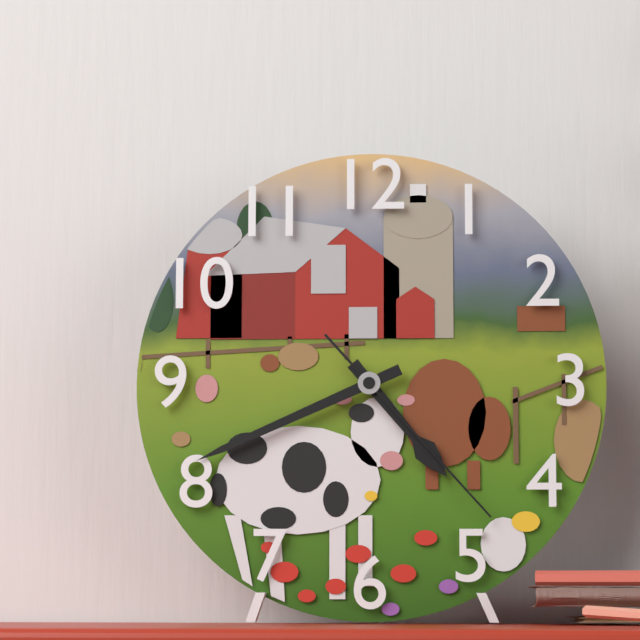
{"hour": 4, "minute": 41, "second": 23}
